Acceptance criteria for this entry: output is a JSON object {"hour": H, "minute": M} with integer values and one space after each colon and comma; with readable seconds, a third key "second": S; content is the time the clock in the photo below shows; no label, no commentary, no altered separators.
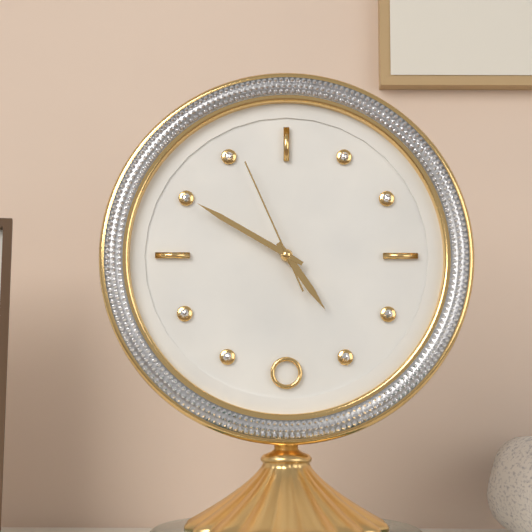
{"hour": 4, "minute": 50, "second": 56}
